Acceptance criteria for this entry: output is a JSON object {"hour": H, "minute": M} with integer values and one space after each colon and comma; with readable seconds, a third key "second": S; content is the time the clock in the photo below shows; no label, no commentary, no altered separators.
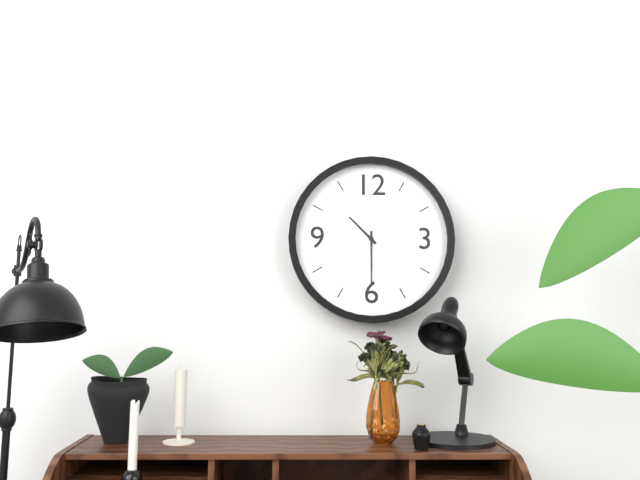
{"hour": 10, "minute": 30}
